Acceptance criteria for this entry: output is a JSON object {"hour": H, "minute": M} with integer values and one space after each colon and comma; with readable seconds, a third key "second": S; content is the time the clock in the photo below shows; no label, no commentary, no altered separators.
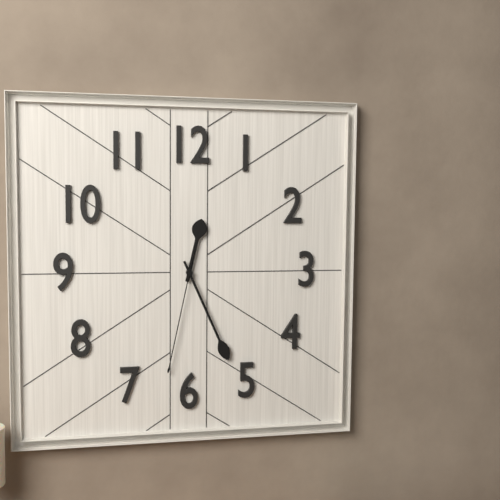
{"hour": 12, "minute": 26, "second": 32}
